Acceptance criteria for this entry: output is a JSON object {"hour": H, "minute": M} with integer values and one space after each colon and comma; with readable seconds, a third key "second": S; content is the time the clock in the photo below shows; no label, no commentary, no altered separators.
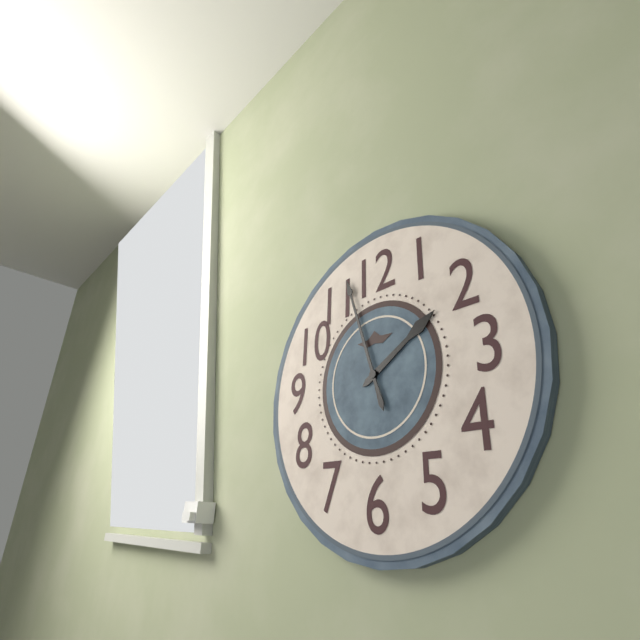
{"hour": 1, "minute": 57}
